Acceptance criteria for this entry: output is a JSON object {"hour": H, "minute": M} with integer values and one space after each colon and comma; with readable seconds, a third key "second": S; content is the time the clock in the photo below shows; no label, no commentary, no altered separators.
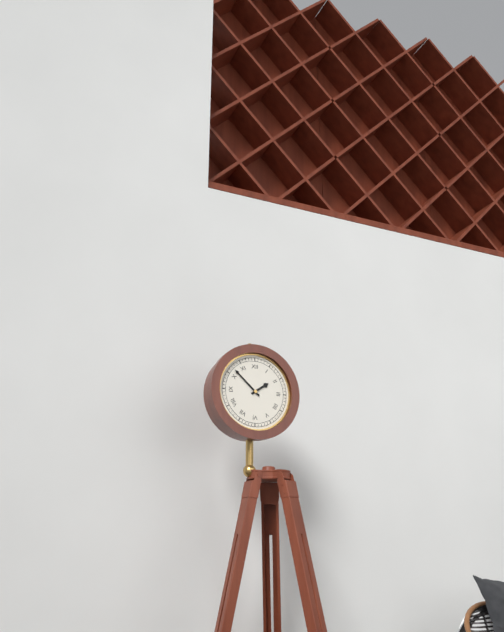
{"hour": 1, "minute": 52}
